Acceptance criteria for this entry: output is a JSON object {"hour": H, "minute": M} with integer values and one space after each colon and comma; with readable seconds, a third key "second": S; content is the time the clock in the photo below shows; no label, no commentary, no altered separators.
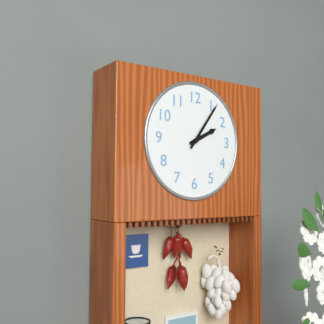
{"hour": 2, "minute": 6}
